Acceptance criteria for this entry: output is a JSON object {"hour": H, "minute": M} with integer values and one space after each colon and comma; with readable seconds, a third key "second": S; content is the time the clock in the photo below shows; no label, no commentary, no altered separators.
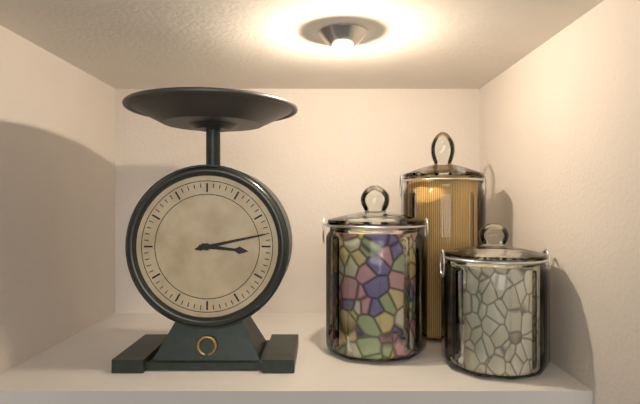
{"hour": 3, "minute": 13}
